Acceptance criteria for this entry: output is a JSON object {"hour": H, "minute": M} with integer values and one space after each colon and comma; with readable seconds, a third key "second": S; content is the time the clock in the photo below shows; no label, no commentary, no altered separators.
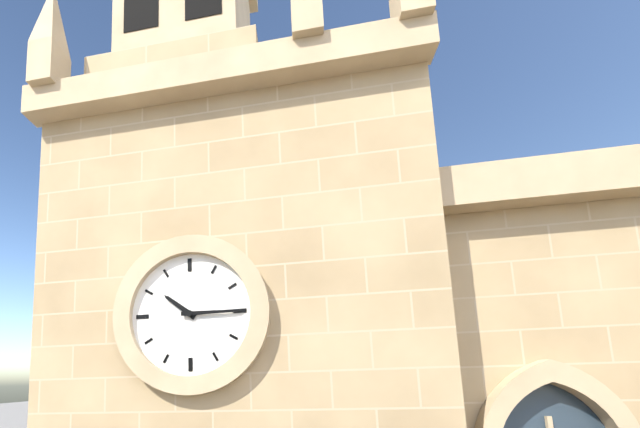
{"hour": 10, "minute": 15}
